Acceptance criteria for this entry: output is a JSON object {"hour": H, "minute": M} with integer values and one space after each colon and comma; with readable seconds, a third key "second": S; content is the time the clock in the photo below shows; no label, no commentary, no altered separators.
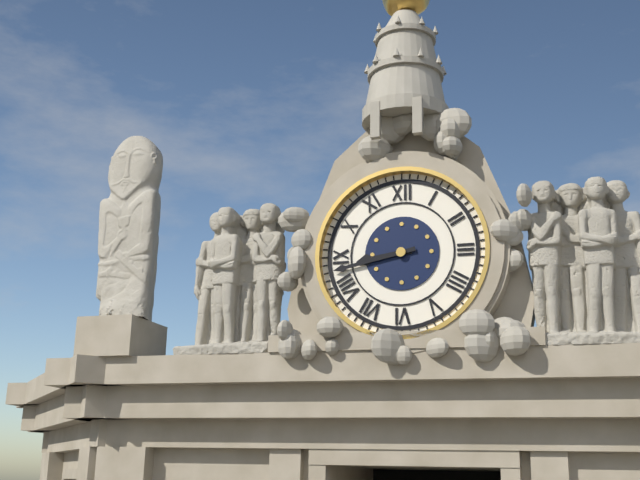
{"hour": 8, "minute": 43}
